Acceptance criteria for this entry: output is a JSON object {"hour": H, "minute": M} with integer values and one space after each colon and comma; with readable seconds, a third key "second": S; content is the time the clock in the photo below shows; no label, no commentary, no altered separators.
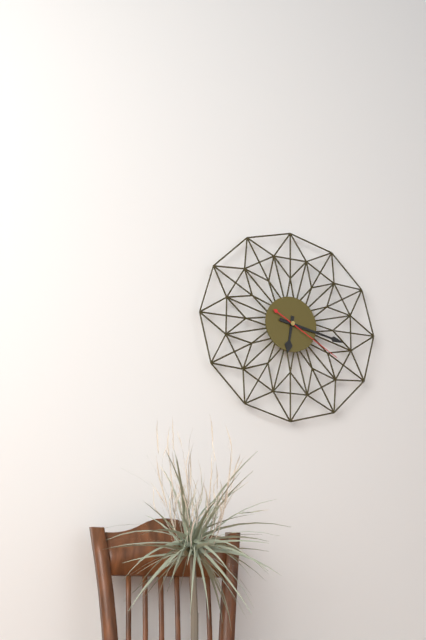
{"hour": 6, "minute": 17, "second": 20}
